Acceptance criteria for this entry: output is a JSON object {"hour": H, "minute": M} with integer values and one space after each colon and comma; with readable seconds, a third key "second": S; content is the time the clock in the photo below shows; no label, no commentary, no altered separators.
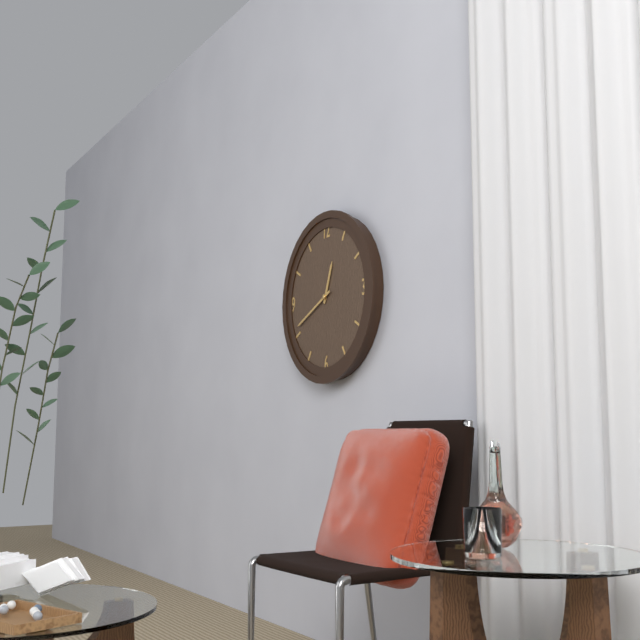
{"hour": 12, "minute": 41}
